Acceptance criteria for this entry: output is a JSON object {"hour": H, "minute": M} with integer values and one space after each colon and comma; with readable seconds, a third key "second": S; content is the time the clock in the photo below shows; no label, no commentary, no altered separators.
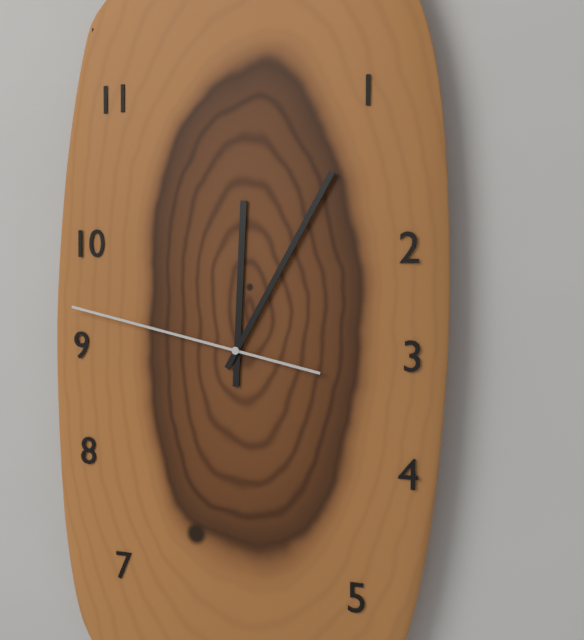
{"hour": 12, "minute": 5, "second": 47}
